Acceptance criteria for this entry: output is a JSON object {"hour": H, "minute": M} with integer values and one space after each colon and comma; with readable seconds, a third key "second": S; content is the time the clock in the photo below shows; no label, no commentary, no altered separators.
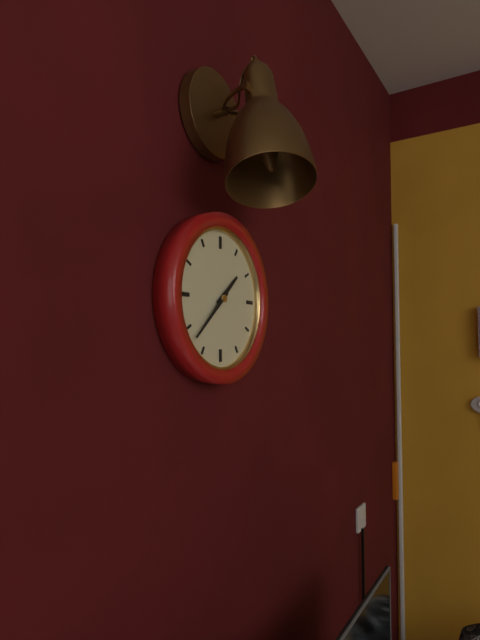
{"hour": 1, "minute": 38}
